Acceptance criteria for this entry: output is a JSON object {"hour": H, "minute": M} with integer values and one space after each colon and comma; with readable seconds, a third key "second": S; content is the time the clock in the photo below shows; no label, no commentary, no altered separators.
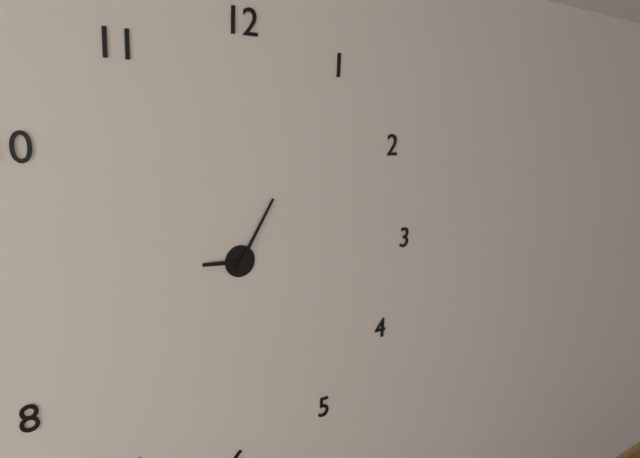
{"hour": 9, "minute": 5}
